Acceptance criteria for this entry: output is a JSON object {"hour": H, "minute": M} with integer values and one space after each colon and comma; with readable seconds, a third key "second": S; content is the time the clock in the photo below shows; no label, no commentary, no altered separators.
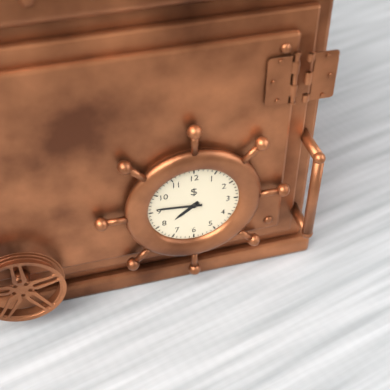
{"hour": 7, "minute": 46}
